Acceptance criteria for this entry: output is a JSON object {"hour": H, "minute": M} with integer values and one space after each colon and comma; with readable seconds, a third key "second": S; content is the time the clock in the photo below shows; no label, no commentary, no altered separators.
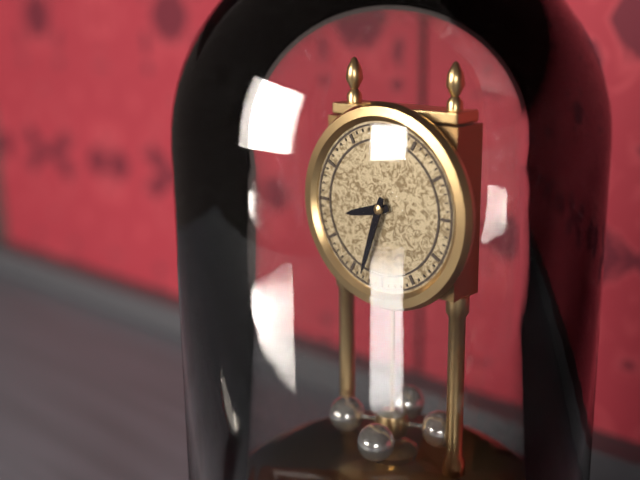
{"hour": 8, "minute": 33}
